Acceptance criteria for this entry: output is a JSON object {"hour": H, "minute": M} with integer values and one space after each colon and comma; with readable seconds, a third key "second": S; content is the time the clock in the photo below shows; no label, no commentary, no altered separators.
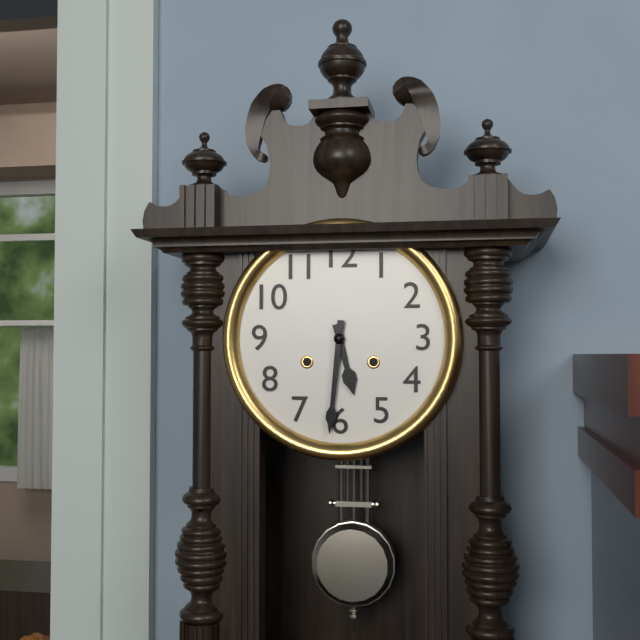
{"hour": 5, "minute": 31}
